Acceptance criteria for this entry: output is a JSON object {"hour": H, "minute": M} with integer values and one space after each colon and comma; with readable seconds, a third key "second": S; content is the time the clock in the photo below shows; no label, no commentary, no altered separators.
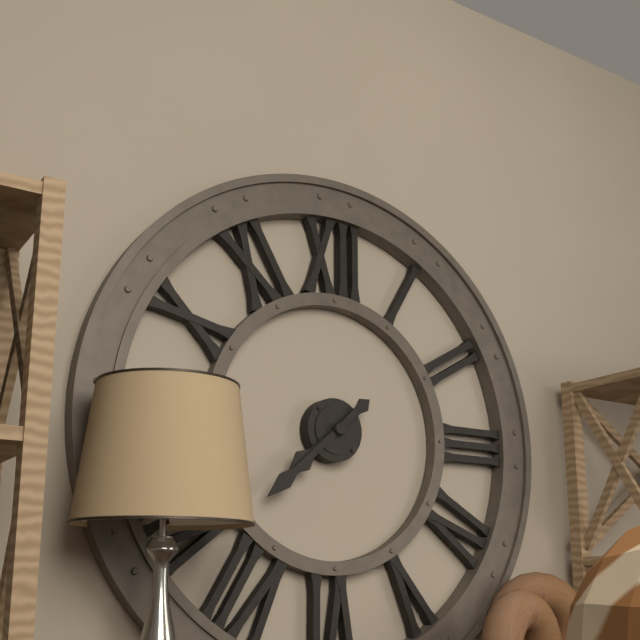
{"hour": 7, "minute": 38}
